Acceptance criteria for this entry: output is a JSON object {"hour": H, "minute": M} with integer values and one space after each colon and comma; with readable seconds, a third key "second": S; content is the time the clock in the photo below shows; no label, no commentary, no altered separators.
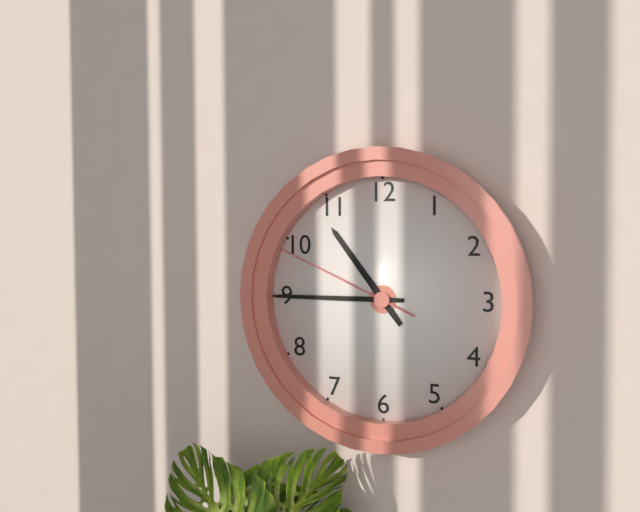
{"hour": 10, "minute": 45, "second": 49}
